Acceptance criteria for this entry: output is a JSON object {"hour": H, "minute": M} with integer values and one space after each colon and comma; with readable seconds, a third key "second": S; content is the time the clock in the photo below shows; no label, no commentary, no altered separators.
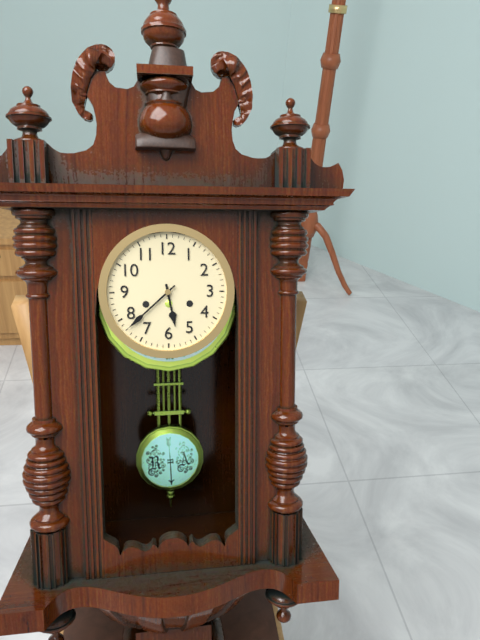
{"hour": 5, "minute": 38}
